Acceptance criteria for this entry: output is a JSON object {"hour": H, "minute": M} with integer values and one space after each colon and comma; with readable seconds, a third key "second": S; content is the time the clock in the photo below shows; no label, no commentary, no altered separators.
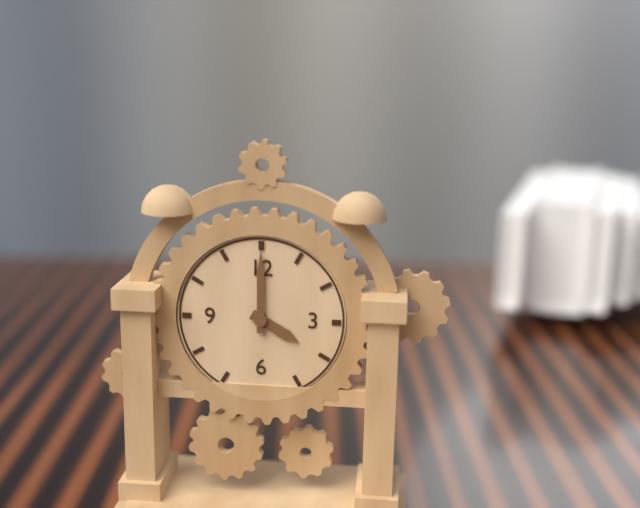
{"hour": 4, "minute": 0}
